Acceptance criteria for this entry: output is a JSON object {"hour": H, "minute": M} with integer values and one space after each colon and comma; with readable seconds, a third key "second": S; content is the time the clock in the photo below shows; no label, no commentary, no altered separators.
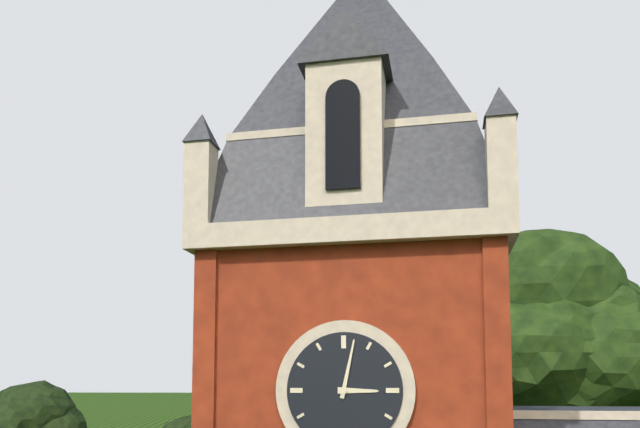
{"hour": 3, "minute": 2}
